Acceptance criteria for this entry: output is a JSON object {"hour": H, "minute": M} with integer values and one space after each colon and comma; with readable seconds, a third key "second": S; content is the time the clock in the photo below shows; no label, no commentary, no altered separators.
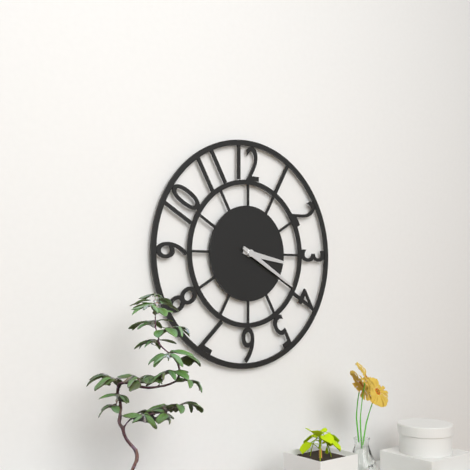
{"hour": 3, "minute": 20}
